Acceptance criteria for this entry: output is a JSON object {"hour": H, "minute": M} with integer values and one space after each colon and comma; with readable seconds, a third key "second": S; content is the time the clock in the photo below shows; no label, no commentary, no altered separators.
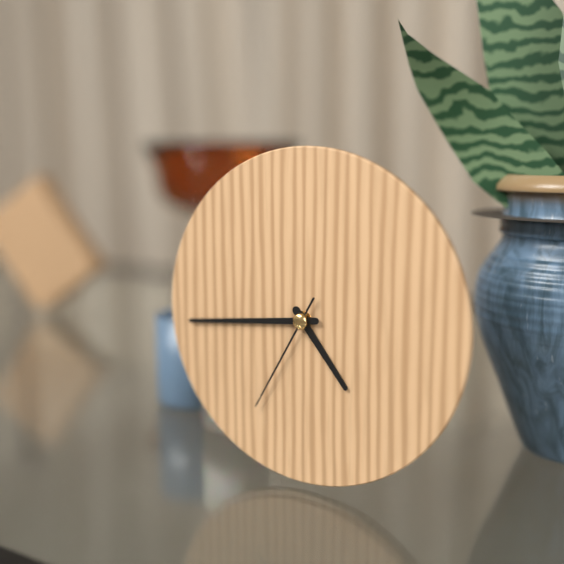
{"hour": 4, "minute": 44, "second": 35}
